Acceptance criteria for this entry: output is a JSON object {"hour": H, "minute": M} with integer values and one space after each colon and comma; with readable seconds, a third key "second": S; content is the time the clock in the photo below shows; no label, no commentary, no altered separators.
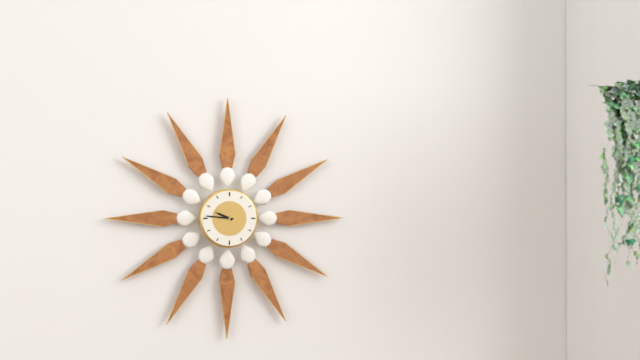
{"hour": 9, "minute": 46}
